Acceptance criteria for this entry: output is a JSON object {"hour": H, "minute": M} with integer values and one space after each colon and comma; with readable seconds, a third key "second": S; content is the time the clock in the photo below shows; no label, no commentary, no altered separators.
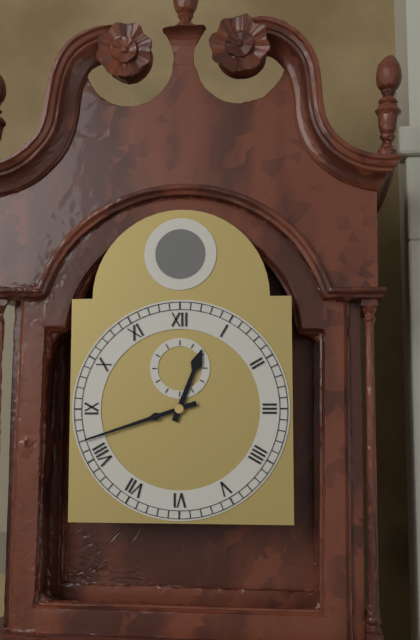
{"hour": 12, "minute": 42}
